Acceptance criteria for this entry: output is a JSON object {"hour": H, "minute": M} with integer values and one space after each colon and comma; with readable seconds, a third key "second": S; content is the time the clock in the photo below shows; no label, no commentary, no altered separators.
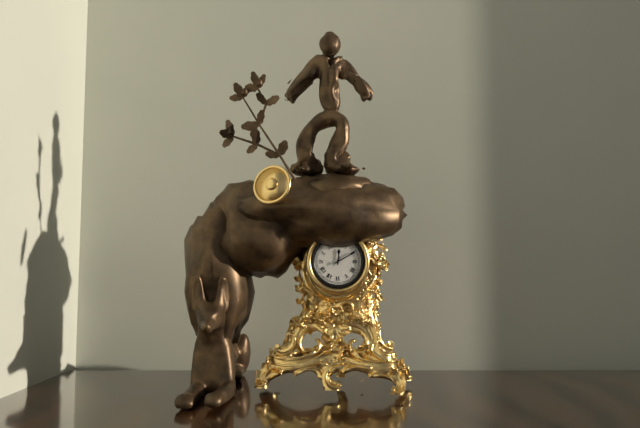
{"hour": 12, "minute": 10}
